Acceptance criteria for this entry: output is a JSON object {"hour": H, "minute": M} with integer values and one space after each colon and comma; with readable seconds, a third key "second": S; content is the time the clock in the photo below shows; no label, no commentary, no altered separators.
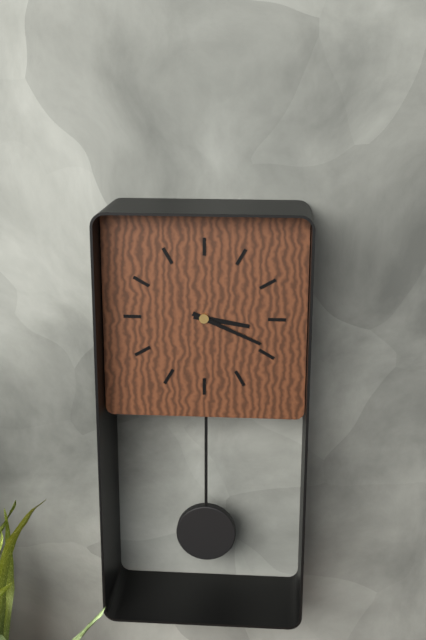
{"hour": 3, "minute": 19}
